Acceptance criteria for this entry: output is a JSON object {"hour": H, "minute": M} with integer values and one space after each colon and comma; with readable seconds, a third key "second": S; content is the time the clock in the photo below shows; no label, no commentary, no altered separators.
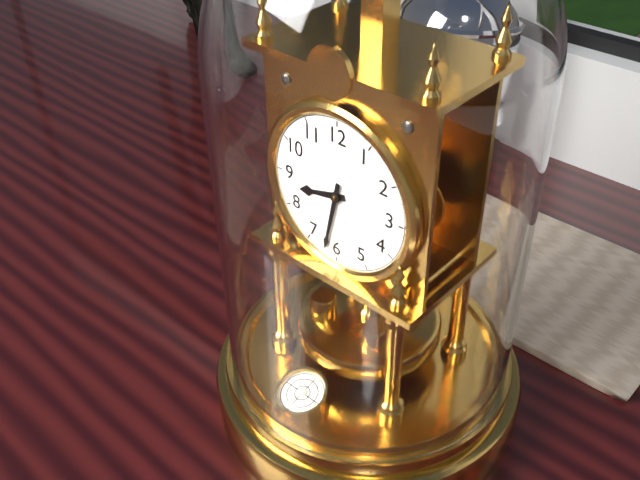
{"hour": 8, "minute": 32}
